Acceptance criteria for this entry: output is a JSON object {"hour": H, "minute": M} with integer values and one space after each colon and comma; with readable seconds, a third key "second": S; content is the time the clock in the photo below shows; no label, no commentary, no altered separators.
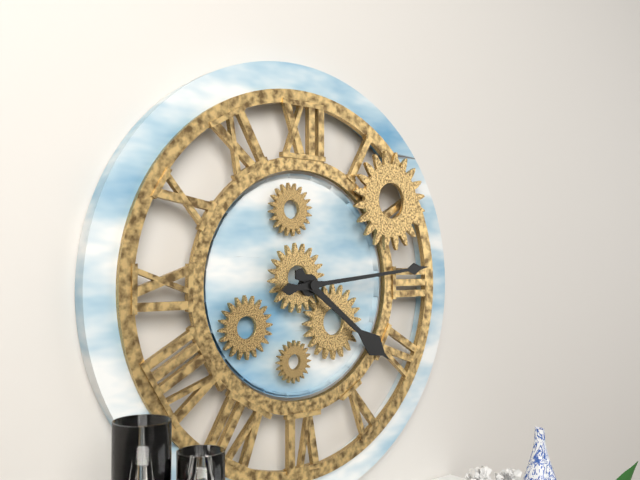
{"hour": 4, "minute": 14}
